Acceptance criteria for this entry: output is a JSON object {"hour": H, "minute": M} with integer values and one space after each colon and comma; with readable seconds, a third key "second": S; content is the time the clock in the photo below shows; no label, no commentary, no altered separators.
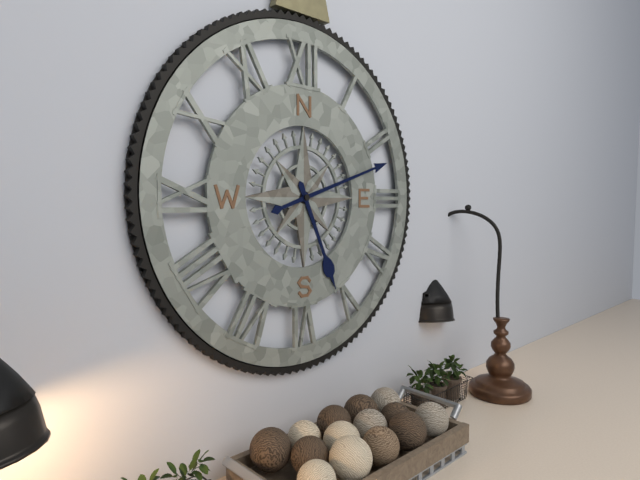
{"hour": 5, "minute": 12}
